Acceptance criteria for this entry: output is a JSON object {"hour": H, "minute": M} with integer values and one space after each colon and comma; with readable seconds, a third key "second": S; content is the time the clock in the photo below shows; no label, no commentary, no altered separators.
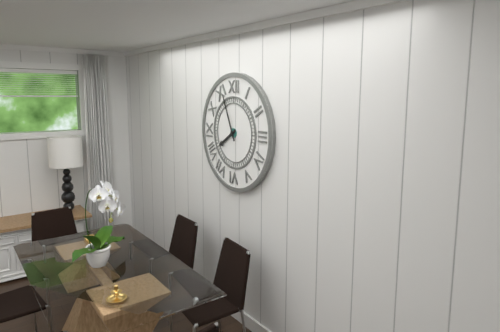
{"hour": 7, "minute": 56}
